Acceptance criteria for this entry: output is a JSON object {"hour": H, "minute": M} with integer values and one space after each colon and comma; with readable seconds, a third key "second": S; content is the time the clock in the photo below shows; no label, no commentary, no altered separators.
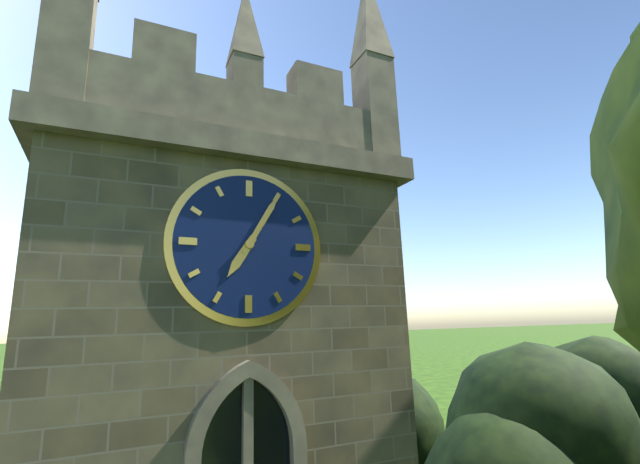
{"hour": 7, "minute": 5}
